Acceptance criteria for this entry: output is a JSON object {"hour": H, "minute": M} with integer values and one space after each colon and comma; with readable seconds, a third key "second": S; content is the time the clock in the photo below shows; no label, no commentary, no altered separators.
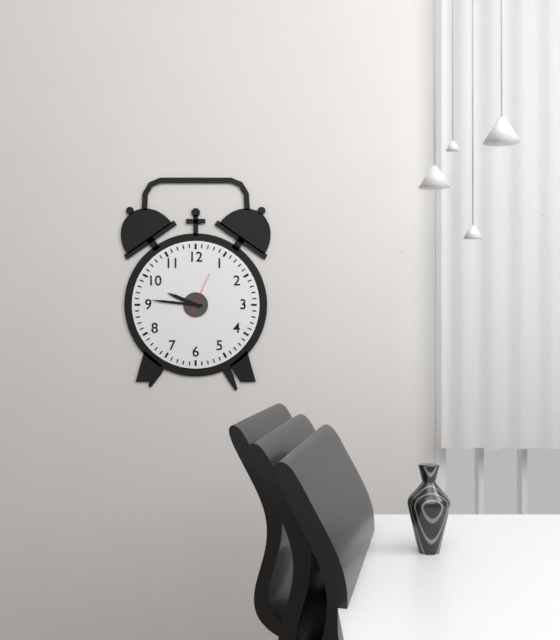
{"hour": 9, "minute": 46}
